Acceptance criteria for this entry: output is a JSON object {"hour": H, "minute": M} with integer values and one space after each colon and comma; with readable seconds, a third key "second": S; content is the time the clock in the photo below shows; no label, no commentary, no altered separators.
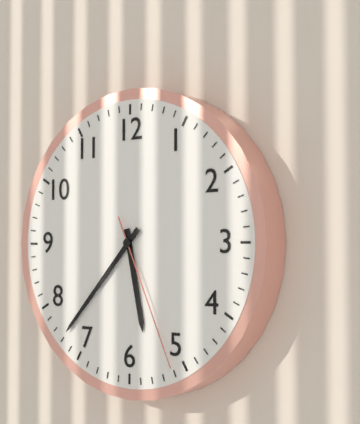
{"hour": 5, "minute": 37, "second": 26}
